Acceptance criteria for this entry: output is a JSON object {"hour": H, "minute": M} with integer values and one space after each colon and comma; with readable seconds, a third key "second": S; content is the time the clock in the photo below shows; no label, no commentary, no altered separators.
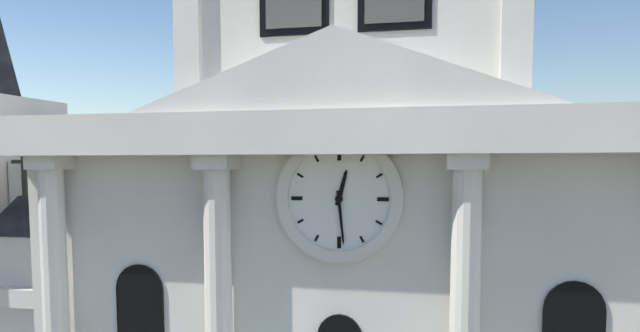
{"hour": 12, "minute": 29}
